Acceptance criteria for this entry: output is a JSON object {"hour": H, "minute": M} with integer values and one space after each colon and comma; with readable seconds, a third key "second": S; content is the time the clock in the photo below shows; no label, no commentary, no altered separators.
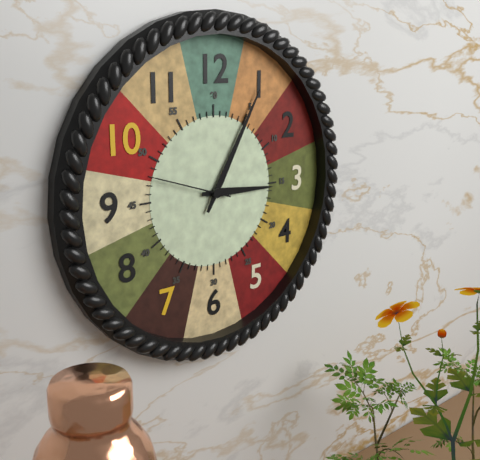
{"hour": 3, "minute": 5, "second": 48}
